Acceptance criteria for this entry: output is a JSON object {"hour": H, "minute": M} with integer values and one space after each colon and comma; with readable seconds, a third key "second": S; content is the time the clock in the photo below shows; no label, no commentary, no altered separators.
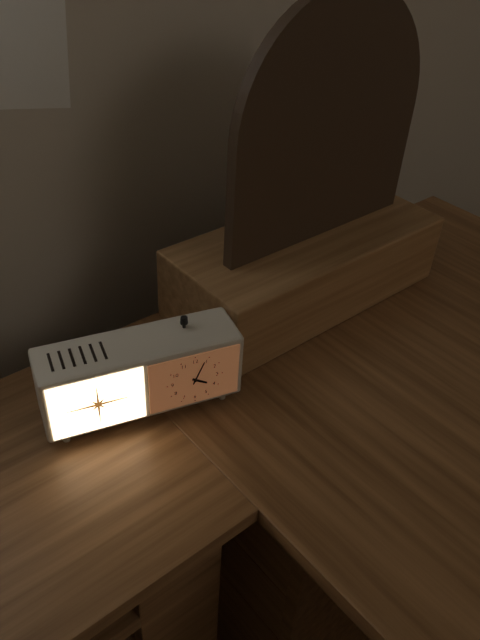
{"hour": 4, "minute": 4}
